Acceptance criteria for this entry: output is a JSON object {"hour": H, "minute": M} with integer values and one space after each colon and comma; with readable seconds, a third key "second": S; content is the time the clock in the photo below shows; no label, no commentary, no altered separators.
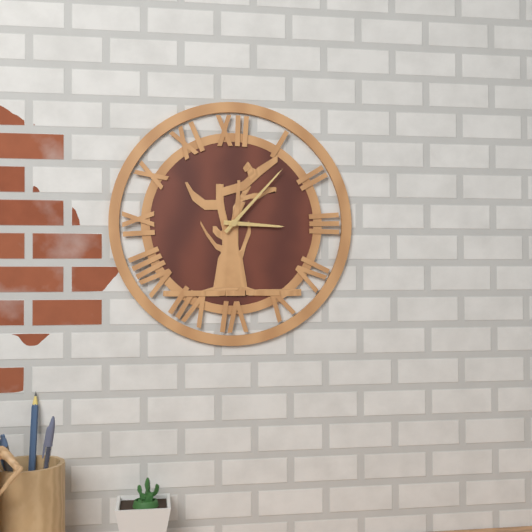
{"hour": 3, "minute": 7}
